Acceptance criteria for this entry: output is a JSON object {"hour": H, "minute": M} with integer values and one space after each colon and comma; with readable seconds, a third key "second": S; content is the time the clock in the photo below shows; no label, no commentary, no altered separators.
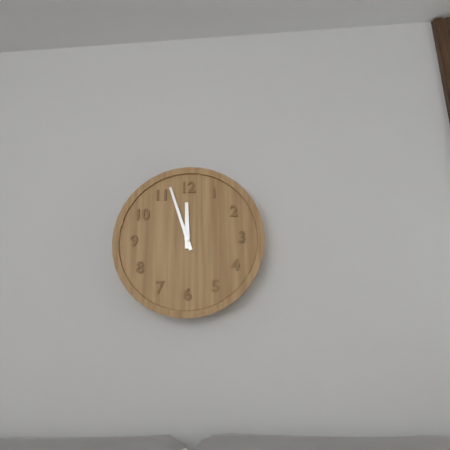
{"hour": 11, "minute": 57}
